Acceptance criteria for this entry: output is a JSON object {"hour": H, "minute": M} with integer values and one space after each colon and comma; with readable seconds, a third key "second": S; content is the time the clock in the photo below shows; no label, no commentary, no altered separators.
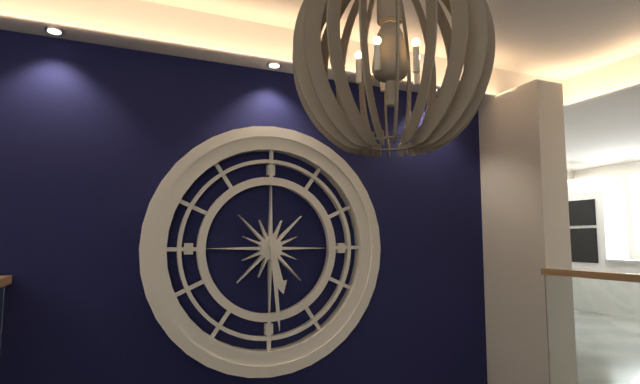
{"hour": 5, "minute": 29}
